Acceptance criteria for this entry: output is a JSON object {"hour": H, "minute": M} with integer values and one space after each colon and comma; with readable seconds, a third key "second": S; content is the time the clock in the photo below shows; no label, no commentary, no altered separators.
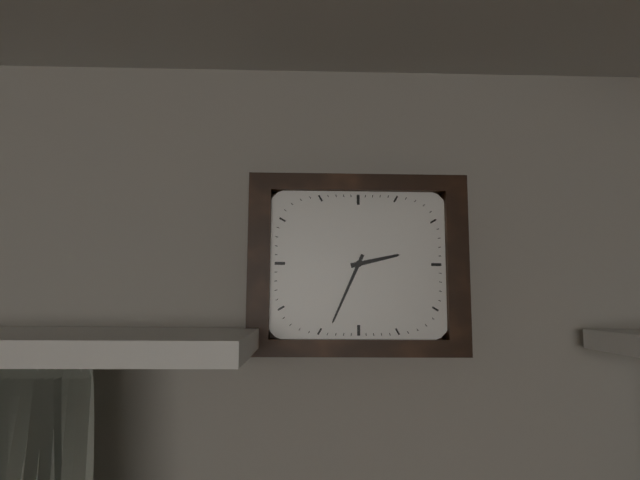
{"hour": 2, "minute": 34}
